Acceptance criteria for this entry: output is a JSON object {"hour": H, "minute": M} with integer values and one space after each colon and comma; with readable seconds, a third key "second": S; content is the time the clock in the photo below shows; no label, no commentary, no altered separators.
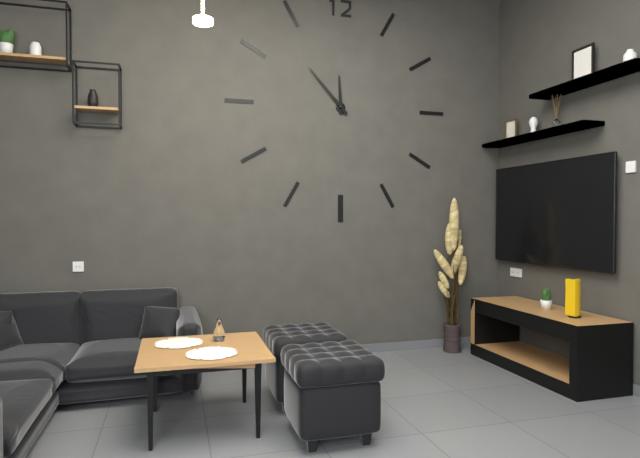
{"hour": 11, "minute": 53}
